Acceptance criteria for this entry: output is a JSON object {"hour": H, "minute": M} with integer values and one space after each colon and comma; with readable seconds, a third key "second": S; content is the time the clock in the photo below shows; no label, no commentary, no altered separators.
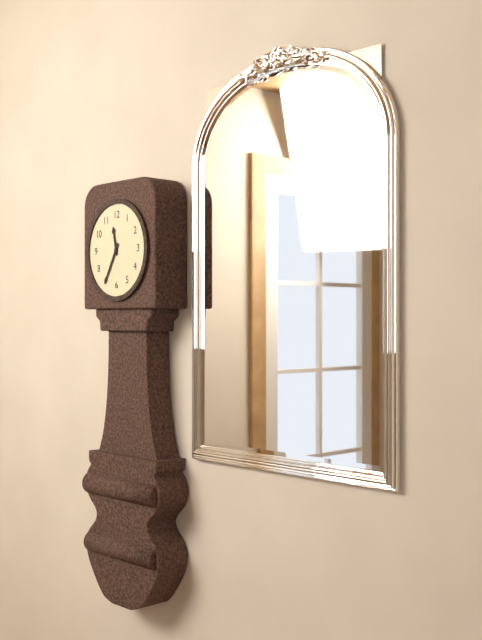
{"hour": 11, "minute": 35}
